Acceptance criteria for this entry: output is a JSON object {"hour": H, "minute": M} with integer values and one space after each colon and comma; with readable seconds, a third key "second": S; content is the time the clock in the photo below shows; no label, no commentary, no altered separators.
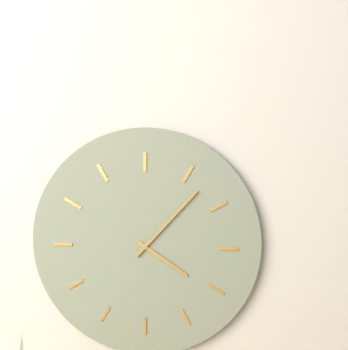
{"hour": 4, "minute": 7}
